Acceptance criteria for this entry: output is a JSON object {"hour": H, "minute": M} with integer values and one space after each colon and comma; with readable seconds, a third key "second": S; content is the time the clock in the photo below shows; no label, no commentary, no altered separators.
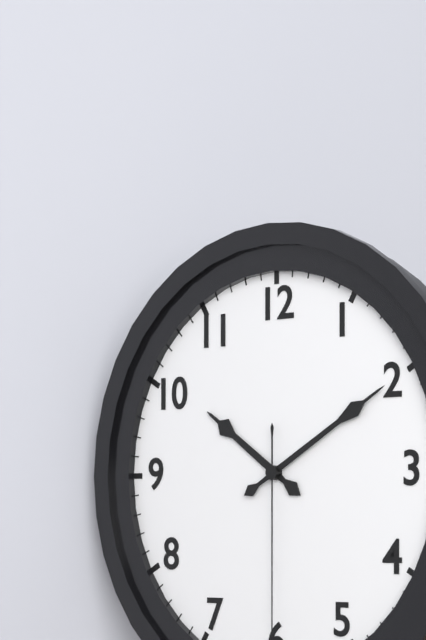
{"hour": 10, "minute": 10}
